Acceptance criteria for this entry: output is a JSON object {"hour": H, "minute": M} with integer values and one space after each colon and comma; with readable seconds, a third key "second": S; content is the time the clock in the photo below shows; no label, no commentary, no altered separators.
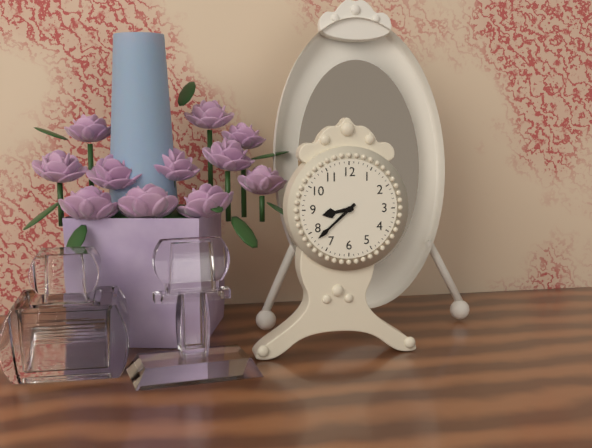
{"hour": 8, "minute": 38}
